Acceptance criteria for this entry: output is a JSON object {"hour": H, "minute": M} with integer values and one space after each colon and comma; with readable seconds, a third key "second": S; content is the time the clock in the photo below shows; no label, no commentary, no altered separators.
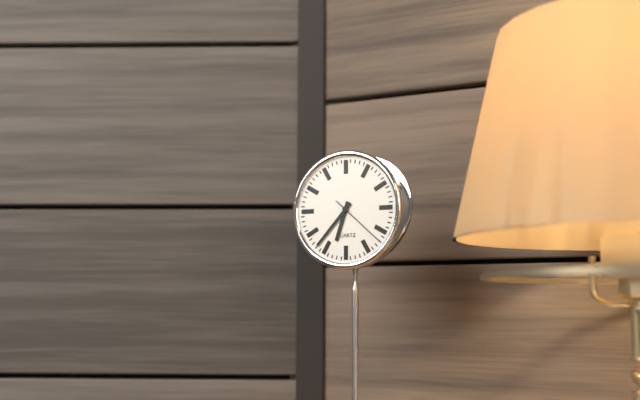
{"hour": 6, "minute": 37, "second": 22}
